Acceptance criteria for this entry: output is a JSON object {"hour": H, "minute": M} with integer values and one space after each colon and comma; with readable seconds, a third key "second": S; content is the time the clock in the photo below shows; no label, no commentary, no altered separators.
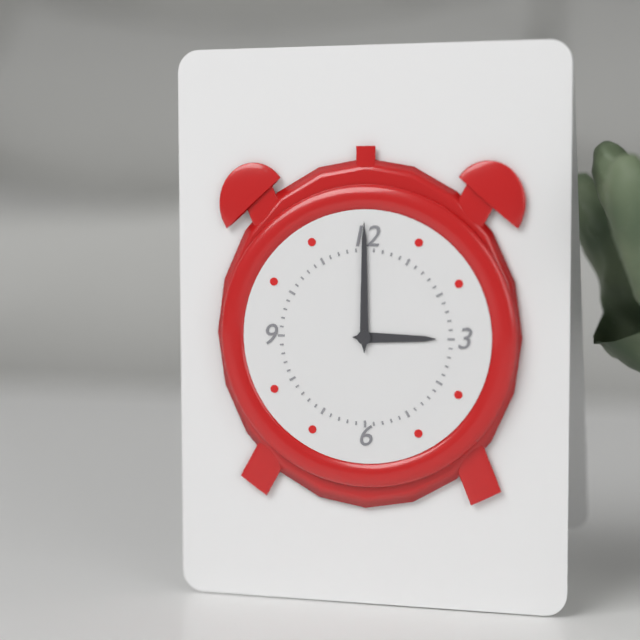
{"hour": 3, "minute": 0}
